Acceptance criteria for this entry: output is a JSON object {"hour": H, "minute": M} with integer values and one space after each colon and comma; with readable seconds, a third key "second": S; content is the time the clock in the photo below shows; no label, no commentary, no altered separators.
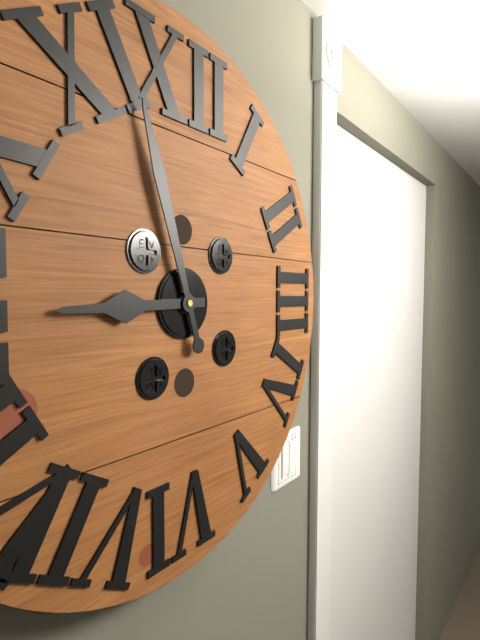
{"hour": 8, "minute": 57}
